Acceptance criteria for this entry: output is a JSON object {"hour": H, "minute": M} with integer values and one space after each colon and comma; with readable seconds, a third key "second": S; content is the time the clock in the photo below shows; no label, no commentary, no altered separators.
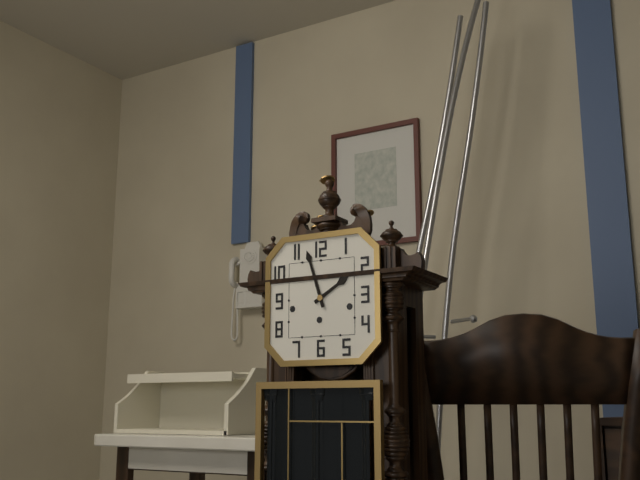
{"hour": 1, "minute": 57}
